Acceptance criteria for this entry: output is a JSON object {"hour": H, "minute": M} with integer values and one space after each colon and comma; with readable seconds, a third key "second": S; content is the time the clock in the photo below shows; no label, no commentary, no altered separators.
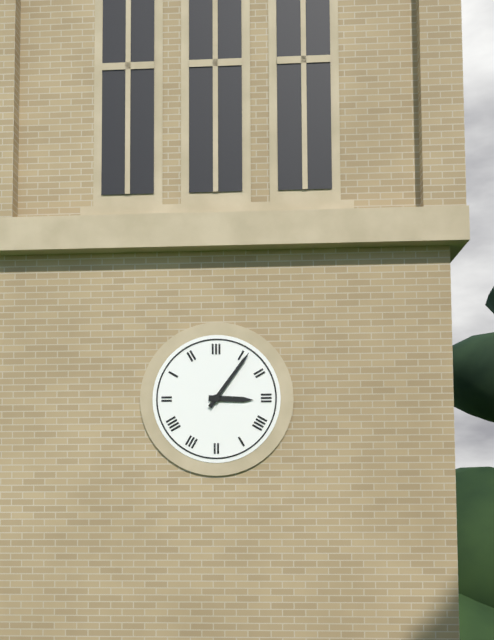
{"hour": 3, "minute": 6}
